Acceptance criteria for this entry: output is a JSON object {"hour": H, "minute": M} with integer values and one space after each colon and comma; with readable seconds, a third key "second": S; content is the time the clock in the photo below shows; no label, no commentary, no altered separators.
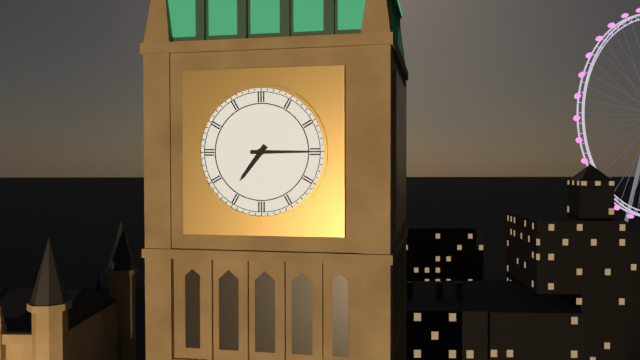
{"hour": 7, "minute": 15}
